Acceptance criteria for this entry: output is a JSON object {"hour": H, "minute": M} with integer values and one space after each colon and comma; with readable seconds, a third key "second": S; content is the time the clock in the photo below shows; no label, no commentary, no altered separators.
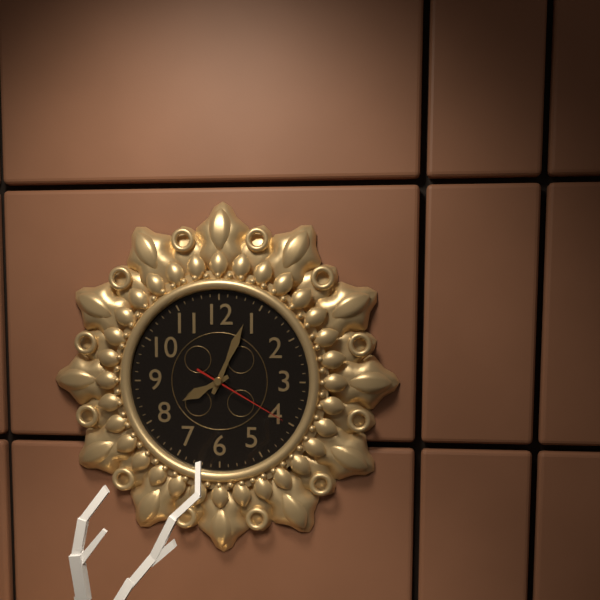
{"hour": 8, "minute": 4, "second": 20}
